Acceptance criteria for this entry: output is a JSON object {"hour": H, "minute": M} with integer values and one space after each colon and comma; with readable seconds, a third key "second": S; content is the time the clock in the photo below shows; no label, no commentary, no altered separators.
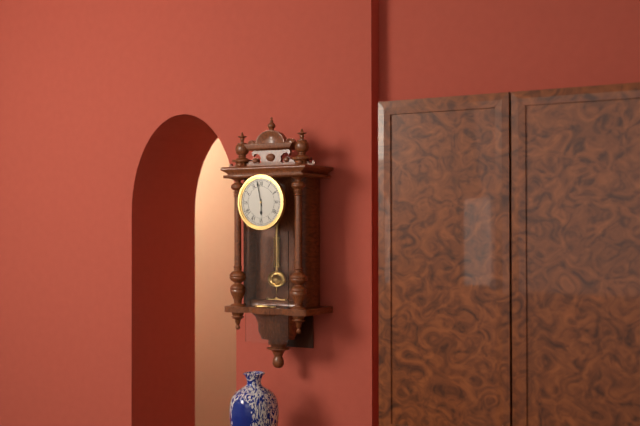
{"hour": 5, "minute": 58}
